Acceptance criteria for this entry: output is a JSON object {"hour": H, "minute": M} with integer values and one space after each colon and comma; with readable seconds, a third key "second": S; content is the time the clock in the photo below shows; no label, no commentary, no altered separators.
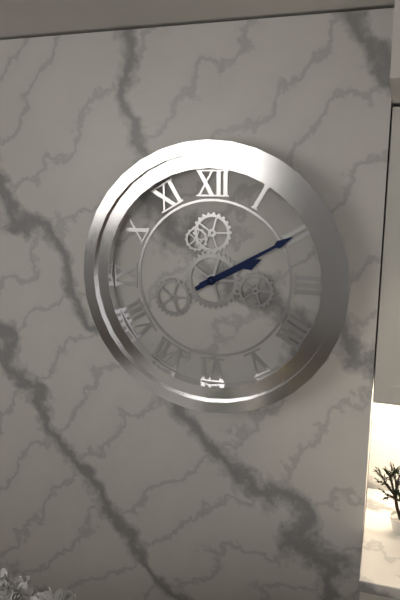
{"hour": 2, "minute": 10}
